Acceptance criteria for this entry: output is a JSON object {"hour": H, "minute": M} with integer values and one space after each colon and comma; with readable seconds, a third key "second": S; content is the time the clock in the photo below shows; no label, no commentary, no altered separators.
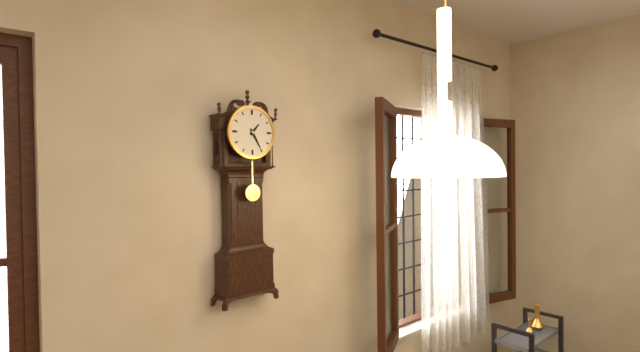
{"hour": 1, "minute": 25}
